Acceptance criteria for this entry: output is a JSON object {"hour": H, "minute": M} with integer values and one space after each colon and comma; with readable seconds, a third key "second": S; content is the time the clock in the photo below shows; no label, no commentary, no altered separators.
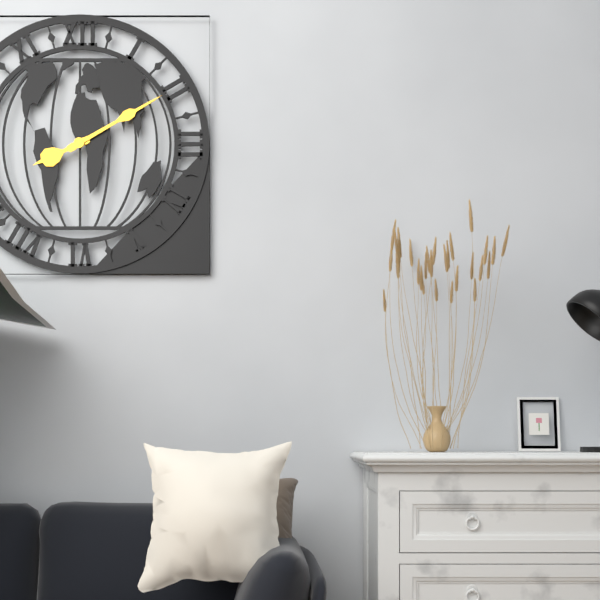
{"hour": 8, "minute": 10}
